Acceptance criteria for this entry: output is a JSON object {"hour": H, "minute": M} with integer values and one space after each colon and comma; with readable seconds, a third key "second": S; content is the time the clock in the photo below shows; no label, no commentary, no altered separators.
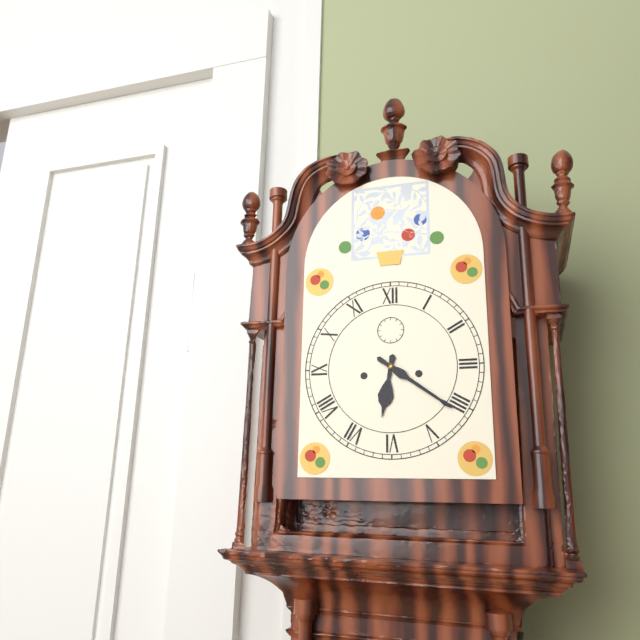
{"hour": 6, "minute": 21}
